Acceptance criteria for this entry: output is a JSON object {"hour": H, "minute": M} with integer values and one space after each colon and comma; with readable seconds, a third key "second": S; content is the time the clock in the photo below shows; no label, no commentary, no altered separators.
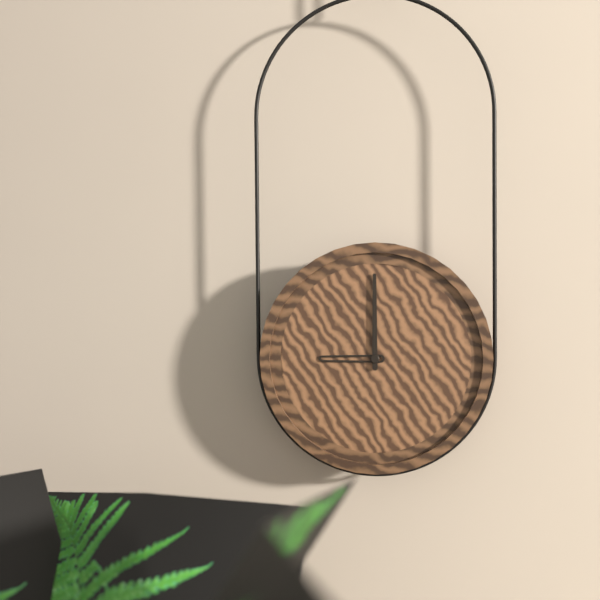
{"hour": 9, "minute": 0}
